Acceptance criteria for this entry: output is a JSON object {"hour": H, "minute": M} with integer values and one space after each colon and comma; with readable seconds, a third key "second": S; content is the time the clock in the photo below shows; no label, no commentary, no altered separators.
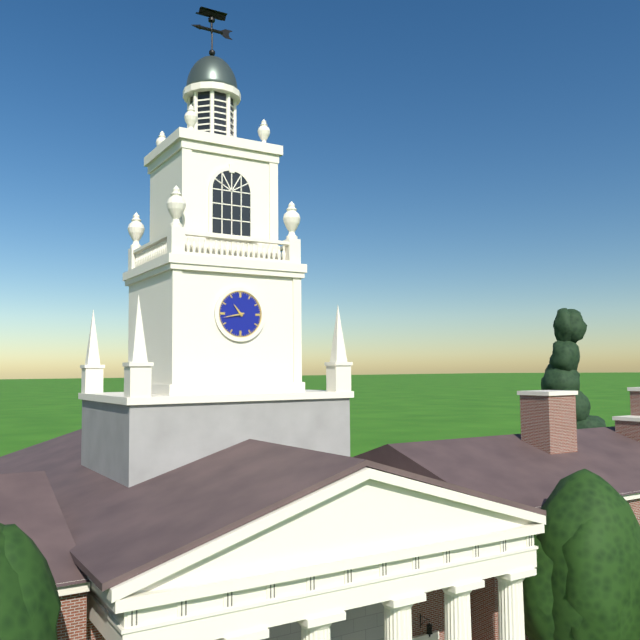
{"hour": 10, "minute": 43}
